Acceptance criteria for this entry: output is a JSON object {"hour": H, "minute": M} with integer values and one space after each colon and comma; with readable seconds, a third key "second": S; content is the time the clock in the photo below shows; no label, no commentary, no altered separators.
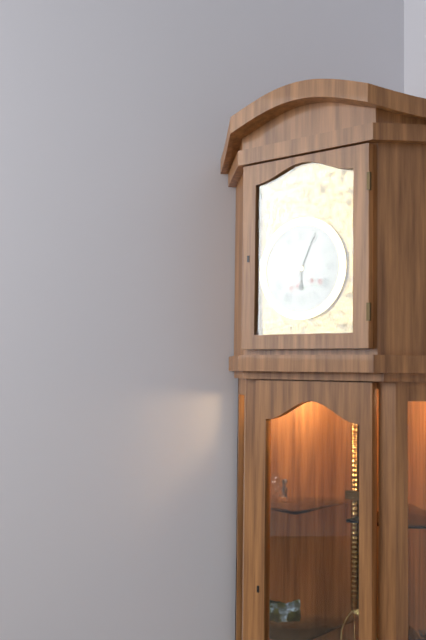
{"hour": 6, "minute": 4}
